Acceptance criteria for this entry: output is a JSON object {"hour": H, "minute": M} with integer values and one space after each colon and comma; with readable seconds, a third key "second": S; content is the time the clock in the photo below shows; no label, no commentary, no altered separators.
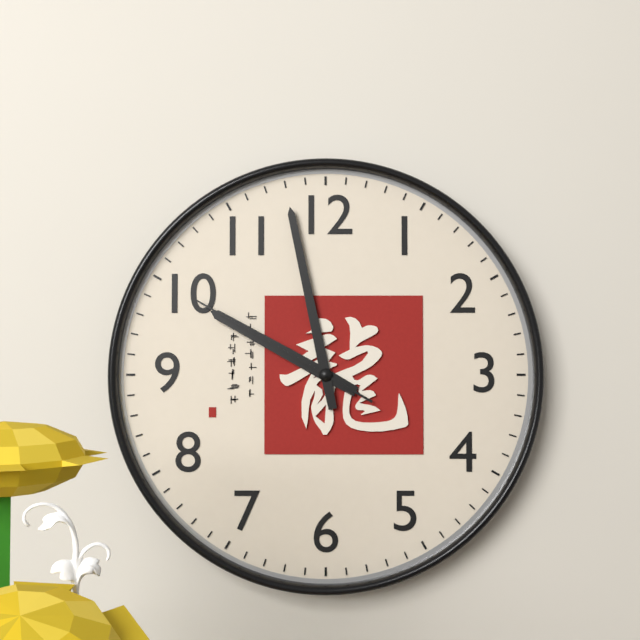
{"hour": 9, "minute": 58, "second": 50}
